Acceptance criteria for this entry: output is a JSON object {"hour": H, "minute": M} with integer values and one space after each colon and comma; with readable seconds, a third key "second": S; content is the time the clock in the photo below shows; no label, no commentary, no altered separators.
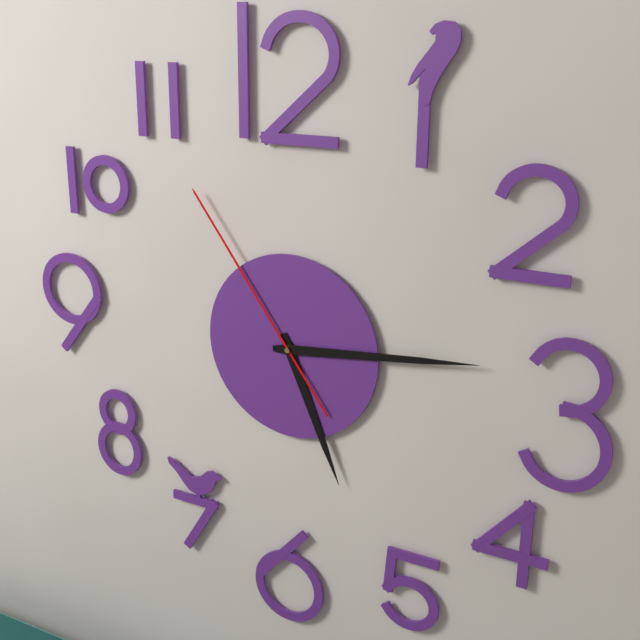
{"hour": 5, "minute": 14, "second": 54}
